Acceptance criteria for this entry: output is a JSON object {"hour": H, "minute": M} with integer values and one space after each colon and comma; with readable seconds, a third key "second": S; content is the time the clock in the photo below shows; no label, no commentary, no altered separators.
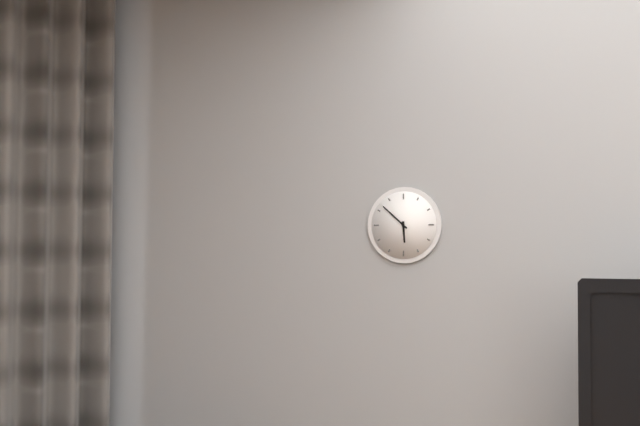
{"hour": 5, "minute": 52}
